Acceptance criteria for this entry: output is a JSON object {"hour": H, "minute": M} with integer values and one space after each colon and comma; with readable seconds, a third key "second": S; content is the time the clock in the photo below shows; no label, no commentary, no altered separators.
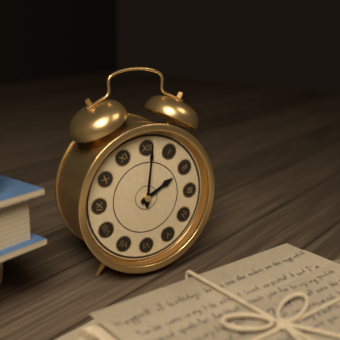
{"hour": 2, "minute": 1}
